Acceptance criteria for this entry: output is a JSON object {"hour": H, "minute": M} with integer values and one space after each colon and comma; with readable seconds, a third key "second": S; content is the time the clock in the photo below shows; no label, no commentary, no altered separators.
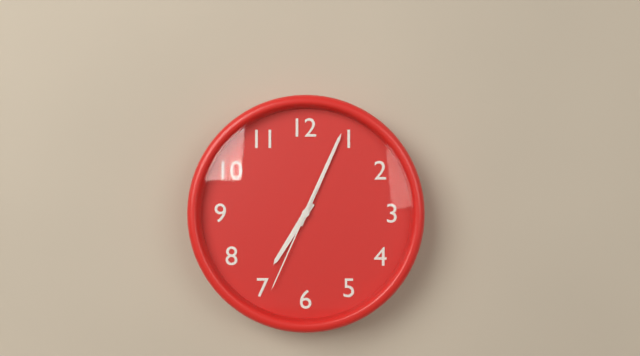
{"hour": 7, "minute": 4, "second": 34}
